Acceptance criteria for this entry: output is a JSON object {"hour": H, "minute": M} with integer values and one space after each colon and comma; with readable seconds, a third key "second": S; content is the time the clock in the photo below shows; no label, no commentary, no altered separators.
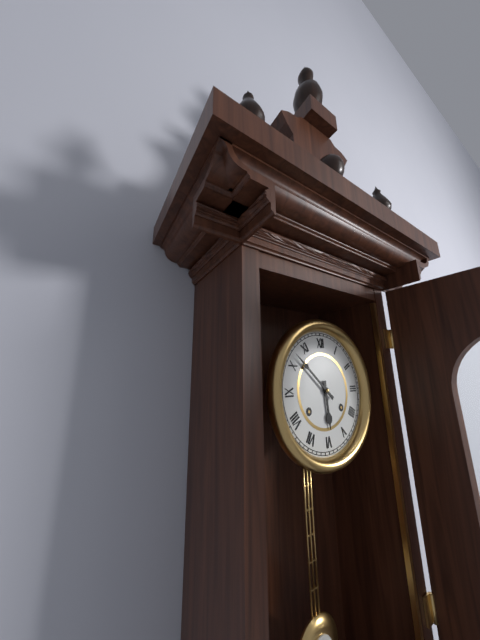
{"hour": 5, "minute": 52}
